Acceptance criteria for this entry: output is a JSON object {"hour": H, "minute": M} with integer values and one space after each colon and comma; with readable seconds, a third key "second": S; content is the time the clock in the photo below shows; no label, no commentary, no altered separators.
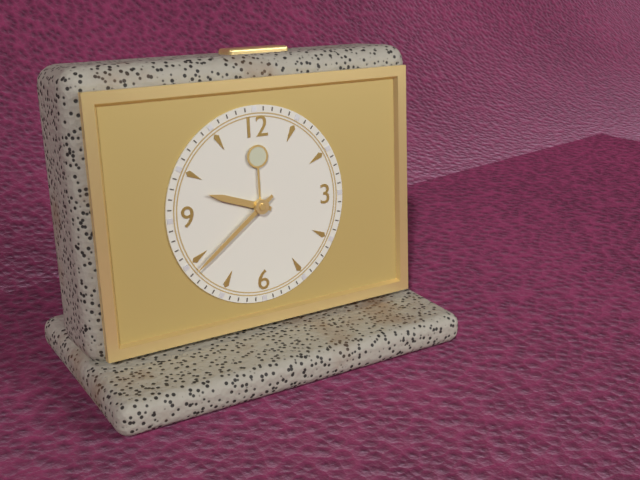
{"hour": 9, "minute": 39}
